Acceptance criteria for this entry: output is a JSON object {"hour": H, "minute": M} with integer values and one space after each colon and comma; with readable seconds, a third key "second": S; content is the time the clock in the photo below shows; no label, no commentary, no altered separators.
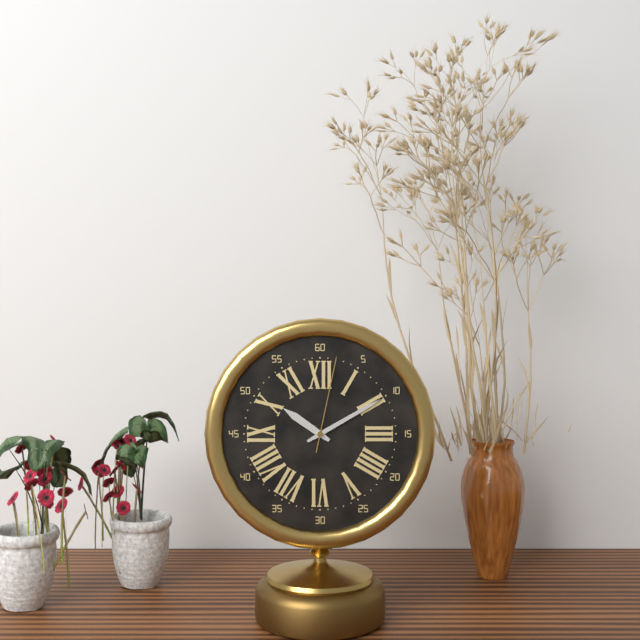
{"hour": 10, "minute": 10, "second": 2}
